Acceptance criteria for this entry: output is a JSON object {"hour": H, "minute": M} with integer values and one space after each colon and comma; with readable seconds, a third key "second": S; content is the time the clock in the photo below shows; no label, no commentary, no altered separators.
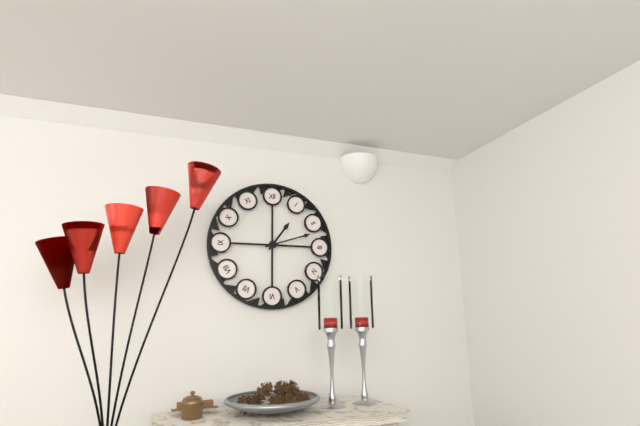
{"hour": 1, "minute": 12}
